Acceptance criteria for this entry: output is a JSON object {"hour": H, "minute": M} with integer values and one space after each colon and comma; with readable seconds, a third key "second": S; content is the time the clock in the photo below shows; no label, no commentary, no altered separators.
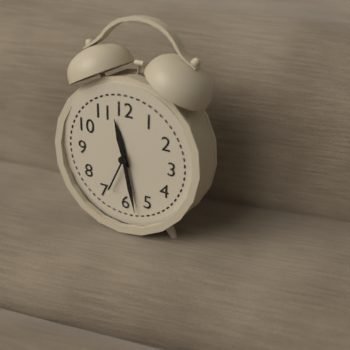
{"hour": 11, "minute": 28}
